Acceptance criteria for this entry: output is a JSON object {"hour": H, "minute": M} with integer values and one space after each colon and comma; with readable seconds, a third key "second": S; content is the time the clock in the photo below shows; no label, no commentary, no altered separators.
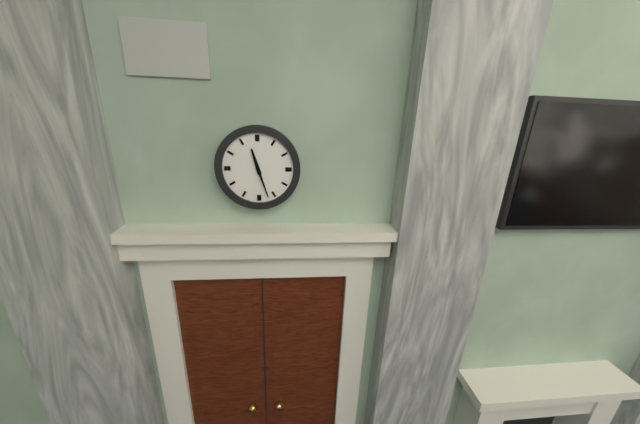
{"hour": 11, "minute": 27}
